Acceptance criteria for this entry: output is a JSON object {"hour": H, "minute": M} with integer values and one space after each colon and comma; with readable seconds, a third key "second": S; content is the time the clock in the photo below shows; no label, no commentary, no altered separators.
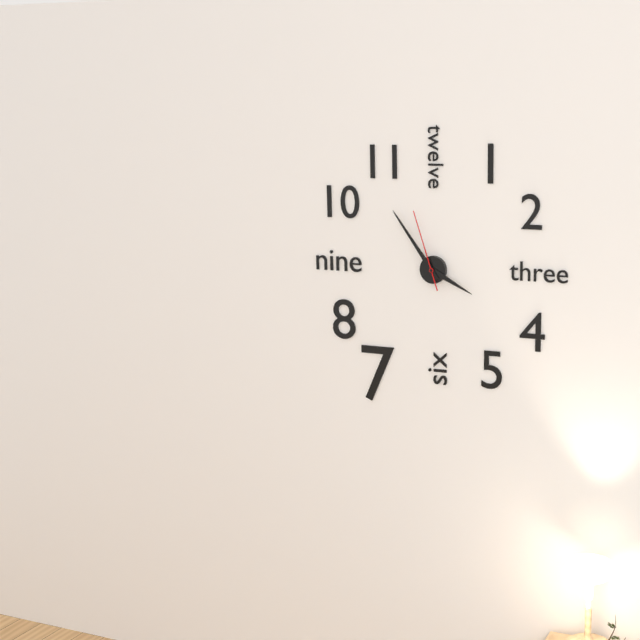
{"hour": 3, "minute": 54, "second": 57}
